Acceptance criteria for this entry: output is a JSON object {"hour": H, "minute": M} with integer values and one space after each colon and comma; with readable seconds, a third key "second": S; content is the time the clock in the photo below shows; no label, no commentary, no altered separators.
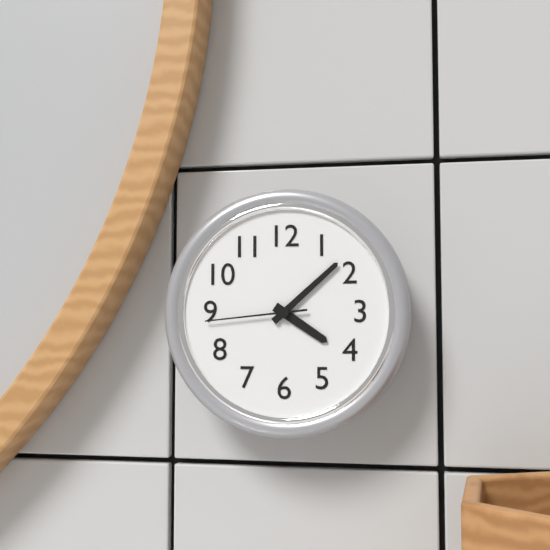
{"hour": 4, "minute": 8, "second": 44}
